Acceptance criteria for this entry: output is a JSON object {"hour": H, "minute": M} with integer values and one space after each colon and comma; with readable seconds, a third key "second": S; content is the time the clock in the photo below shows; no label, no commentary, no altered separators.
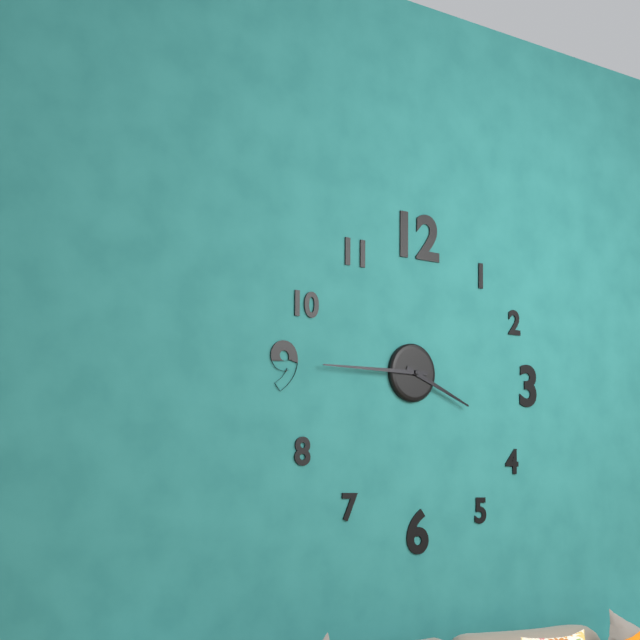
{"hour": 3, "minute": 45}
